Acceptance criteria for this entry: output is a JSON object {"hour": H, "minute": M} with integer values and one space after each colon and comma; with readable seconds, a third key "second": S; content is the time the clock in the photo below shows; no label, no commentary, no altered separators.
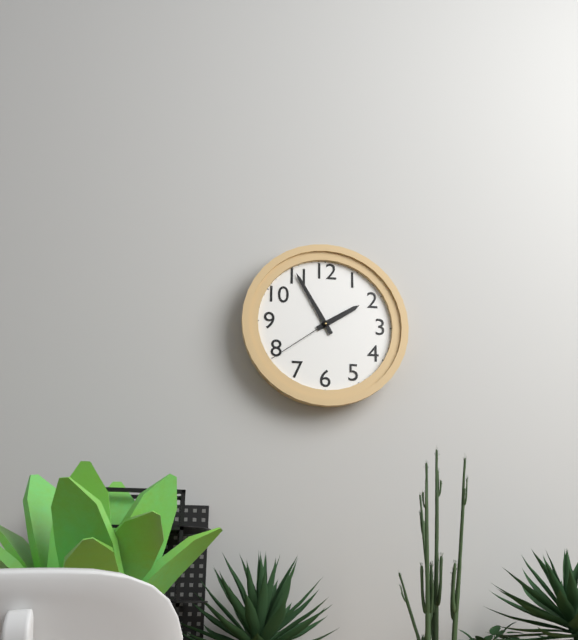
{"hour": 1, "minute": 55, "second": 39}
